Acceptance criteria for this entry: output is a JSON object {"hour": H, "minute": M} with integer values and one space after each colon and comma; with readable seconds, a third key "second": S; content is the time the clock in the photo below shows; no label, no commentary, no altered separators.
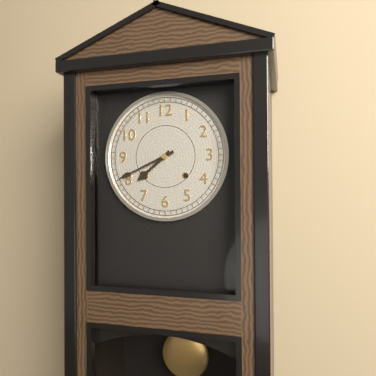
{"hour": 7, "minute": 41}
